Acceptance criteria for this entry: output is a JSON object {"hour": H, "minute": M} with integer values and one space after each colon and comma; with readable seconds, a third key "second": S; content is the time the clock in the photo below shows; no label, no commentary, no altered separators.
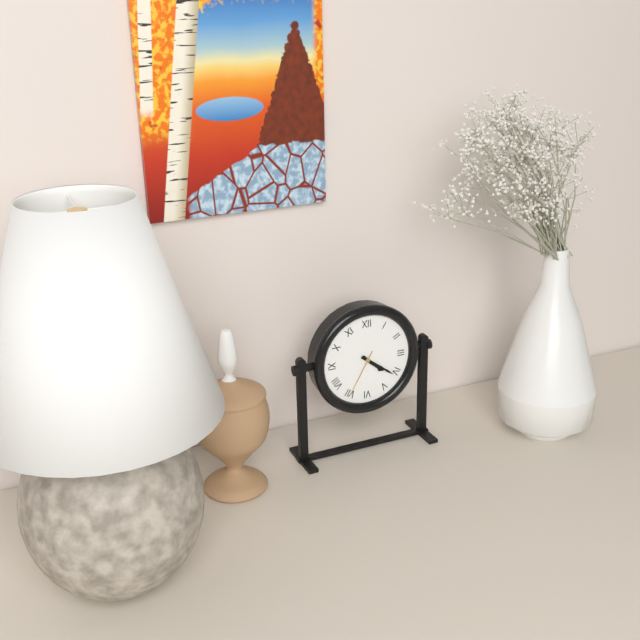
{"hour": 4, "minute": 21}
